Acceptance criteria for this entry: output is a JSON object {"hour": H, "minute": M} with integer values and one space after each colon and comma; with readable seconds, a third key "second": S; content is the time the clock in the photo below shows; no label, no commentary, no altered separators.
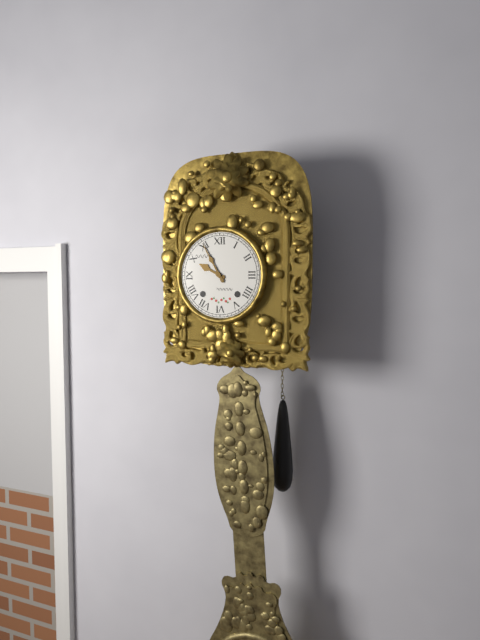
{"hour": 9, "minute": 55}
